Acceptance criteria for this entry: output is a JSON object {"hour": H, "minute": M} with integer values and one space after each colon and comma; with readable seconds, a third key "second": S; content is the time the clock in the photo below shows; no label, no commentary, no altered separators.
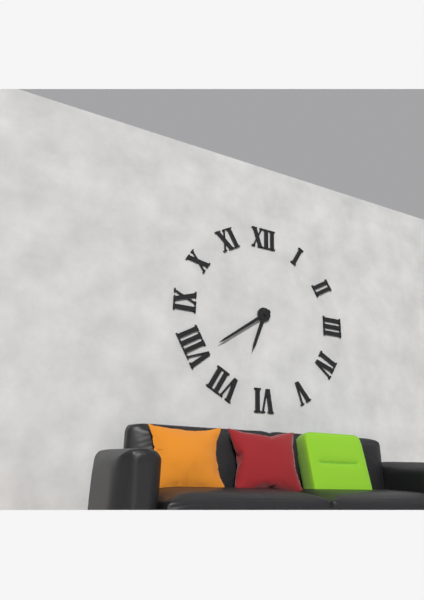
{"hour": 6, "minute": 39}
